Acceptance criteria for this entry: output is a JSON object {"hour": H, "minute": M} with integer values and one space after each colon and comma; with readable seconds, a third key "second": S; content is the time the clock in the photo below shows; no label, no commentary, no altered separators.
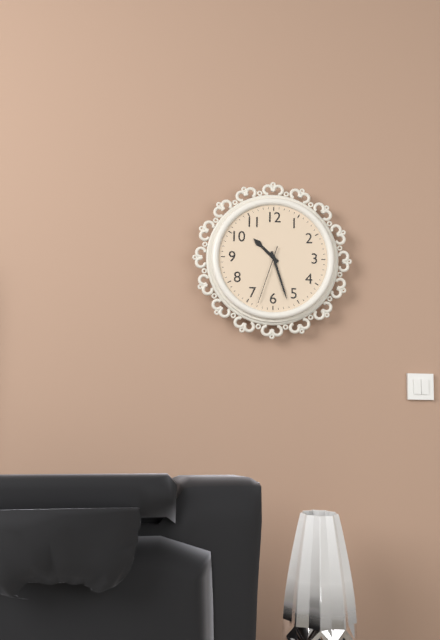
{"hour": 10, "minute": 27, "second": 33}
